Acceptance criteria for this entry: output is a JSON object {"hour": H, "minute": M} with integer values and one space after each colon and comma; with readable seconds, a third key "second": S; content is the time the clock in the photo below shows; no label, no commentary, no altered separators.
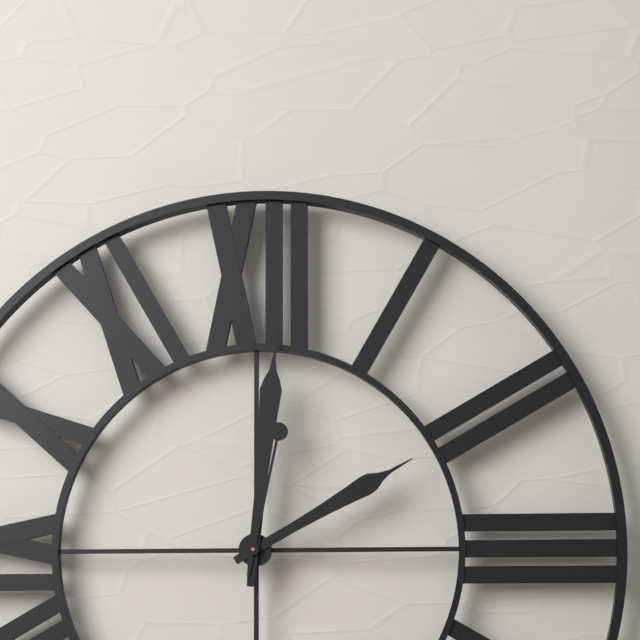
{"hour": 2, "minute": 1, "second": 2}
